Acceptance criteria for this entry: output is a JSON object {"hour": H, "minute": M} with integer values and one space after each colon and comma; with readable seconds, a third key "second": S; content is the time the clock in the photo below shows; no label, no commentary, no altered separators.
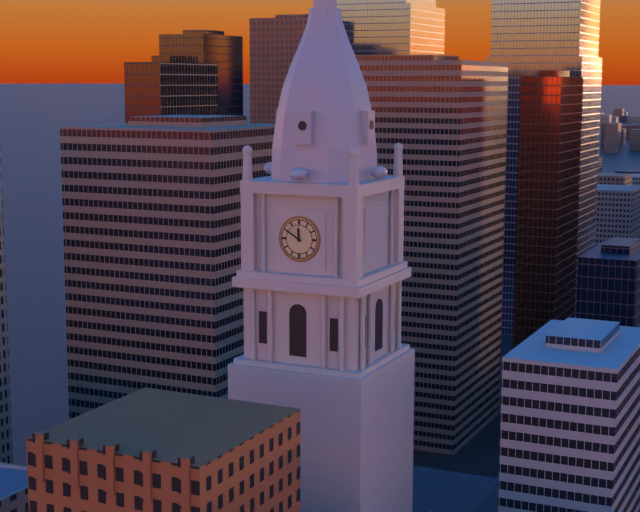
{"hour": 11, "minute": 50}
